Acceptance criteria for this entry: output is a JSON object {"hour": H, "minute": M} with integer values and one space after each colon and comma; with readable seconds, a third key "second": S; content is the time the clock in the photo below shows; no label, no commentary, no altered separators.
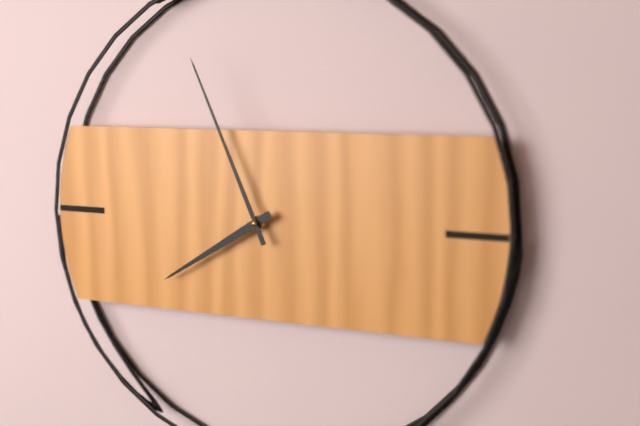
{"hour": 7, "minute": 56}
